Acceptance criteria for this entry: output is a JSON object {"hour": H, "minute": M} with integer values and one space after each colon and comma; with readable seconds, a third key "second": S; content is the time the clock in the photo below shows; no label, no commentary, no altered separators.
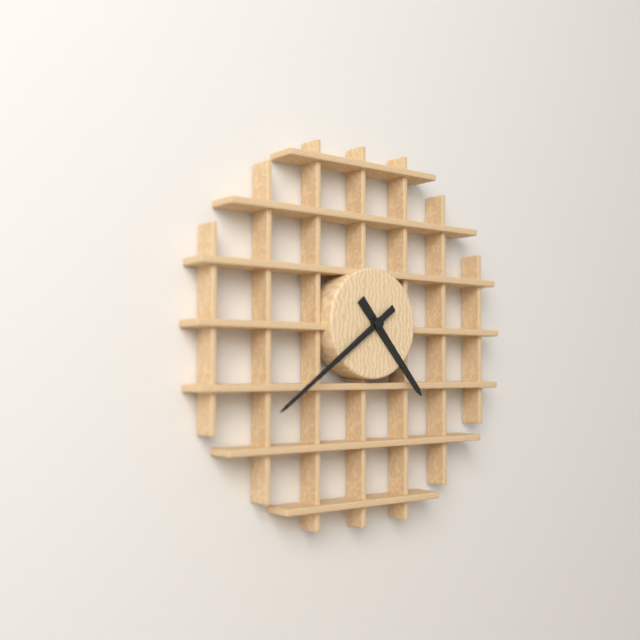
{"hour": 4, "minute": 39}
